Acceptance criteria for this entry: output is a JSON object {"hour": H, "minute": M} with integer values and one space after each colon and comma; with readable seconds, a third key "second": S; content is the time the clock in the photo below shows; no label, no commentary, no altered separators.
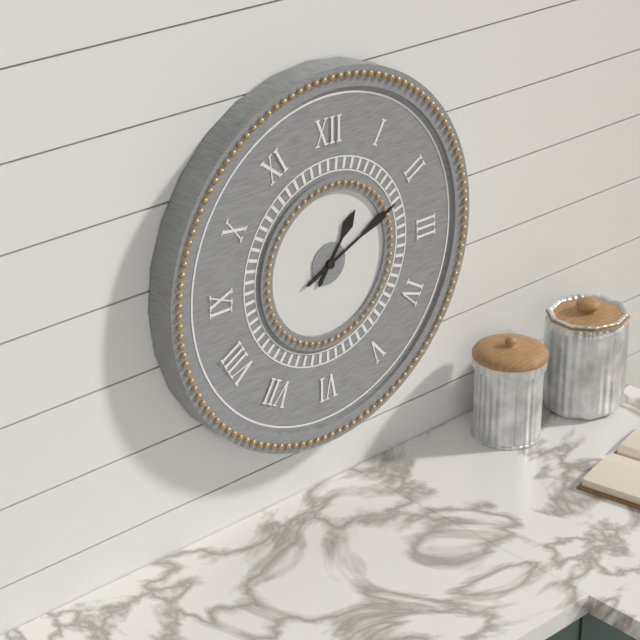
{"hour": 1, "minute": 11}
